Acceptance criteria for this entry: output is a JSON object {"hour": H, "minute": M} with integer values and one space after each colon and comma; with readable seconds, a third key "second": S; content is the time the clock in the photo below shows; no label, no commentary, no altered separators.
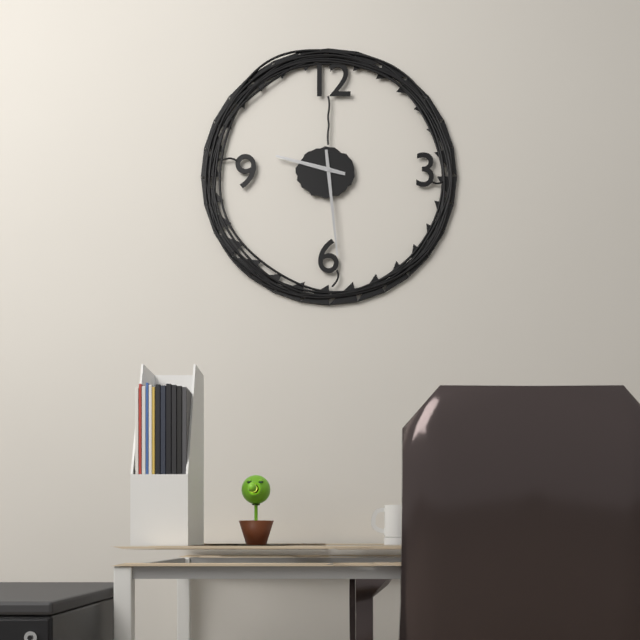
{"hour": 9, "minute": 29}
